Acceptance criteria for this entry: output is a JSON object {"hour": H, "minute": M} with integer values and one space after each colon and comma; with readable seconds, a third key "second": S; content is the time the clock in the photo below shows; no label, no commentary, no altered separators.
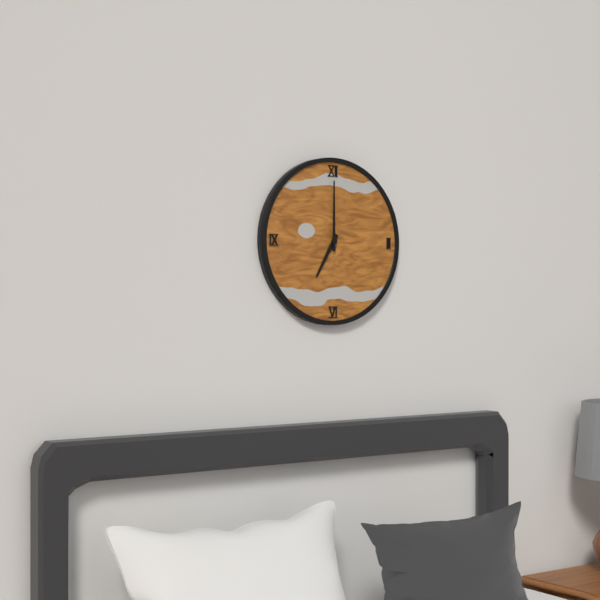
{"hour": 7, "minute": 0}
